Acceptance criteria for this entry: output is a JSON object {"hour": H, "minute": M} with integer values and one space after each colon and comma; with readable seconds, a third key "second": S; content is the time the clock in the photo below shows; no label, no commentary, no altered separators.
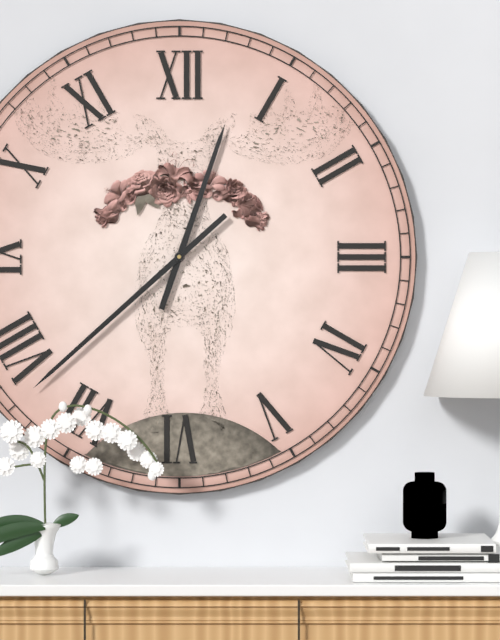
{"hour": 12, "minute": 38}
